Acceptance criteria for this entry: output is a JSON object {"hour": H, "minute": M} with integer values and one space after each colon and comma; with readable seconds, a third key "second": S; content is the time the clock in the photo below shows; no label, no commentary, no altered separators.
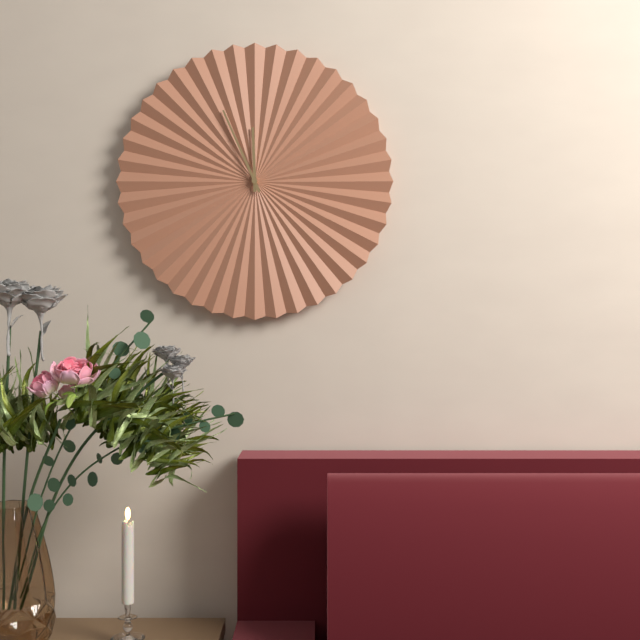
{"hour": 11, "minute": 56}
